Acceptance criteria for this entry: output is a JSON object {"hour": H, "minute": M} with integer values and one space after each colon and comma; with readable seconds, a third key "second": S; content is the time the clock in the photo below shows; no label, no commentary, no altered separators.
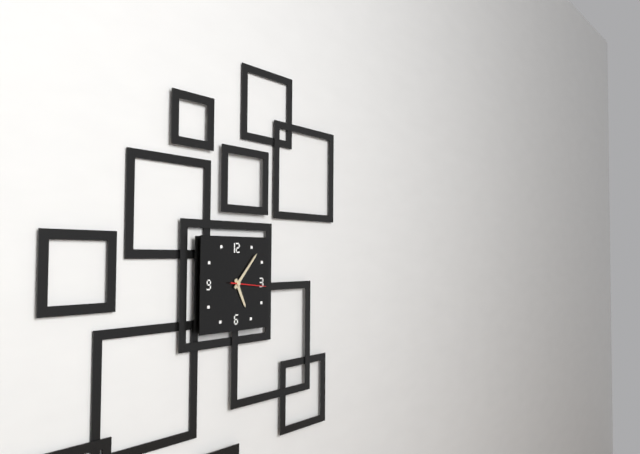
{"hour": 5, "minute": 7}
